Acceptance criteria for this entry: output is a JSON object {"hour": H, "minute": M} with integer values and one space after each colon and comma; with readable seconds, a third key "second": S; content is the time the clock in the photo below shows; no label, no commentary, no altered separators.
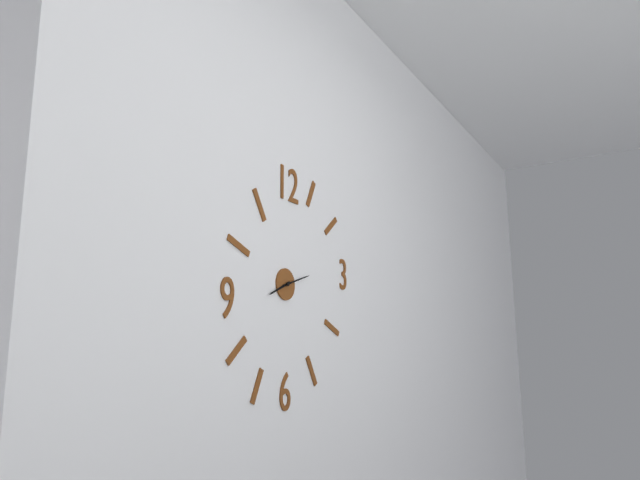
{"hour": 8, "minute": 12}
